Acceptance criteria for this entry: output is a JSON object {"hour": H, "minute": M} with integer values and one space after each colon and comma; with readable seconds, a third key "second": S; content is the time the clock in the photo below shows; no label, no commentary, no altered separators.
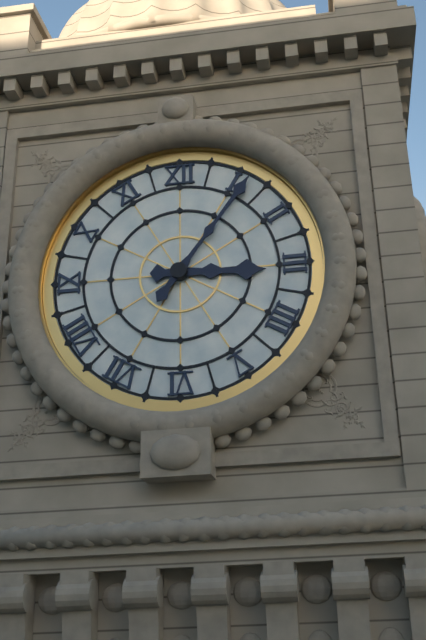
{"hour": 3, "minute": 6}
